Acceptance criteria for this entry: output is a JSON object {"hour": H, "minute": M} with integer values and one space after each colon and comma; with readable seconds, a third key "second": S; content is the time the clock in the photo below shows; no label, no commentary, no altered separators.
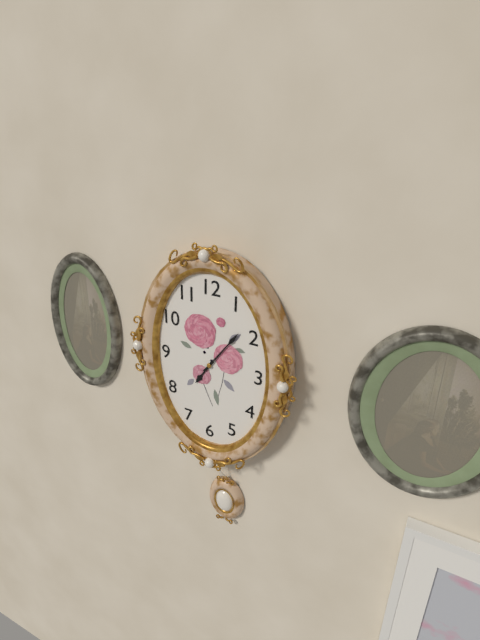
{"hour": 7, "minute": 6}
